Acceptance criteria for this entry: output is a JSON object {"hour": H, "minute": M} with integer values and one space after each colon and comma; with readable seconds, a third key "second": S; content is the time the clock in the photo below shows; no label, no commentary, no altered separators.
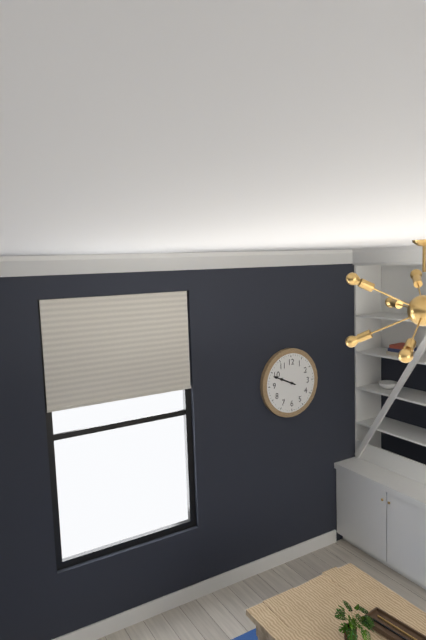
{"hour": 9, "minute": 49}
